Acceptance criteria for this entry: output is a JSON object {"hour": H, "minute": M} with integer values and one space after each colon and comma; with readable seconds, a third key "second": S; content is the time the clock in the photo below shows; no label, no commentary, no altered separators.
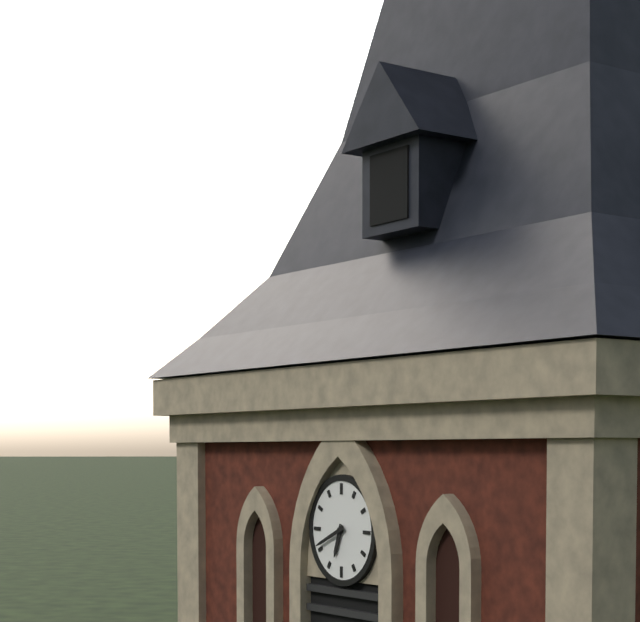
{"hour": 6, "minute": 41}
